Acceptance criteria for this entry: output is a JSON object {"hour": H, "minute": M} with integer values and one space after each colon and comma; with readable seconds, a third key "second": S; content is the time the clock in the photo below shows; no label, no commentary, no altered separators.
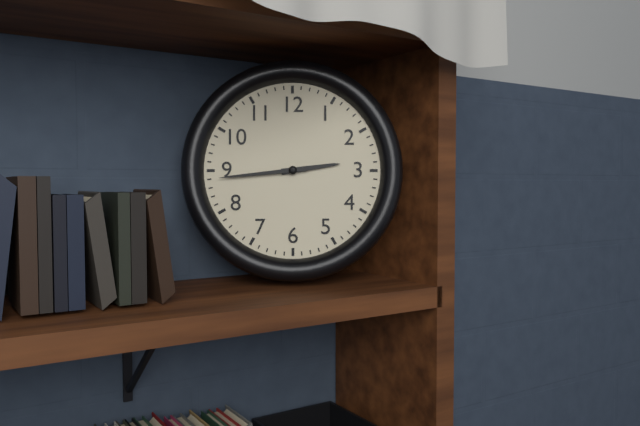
{"hour": 2, "minute": 44}
